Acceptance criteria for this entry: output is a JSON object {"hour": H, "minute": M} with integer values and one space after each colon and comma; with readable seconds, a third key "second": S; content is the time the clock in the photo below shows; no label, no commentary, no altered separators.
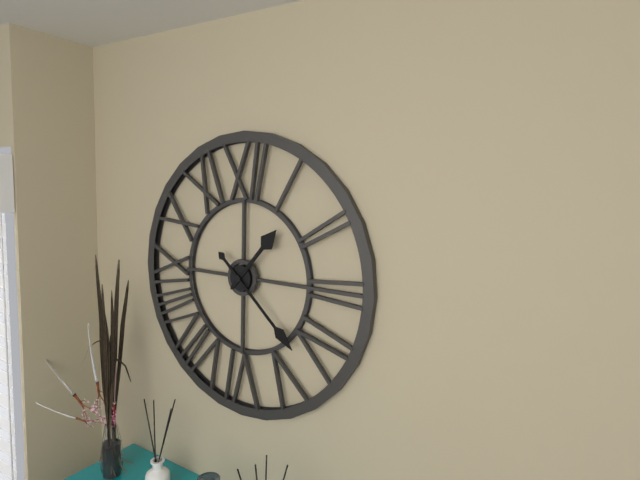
{"hour": 1, "minute": 22}
